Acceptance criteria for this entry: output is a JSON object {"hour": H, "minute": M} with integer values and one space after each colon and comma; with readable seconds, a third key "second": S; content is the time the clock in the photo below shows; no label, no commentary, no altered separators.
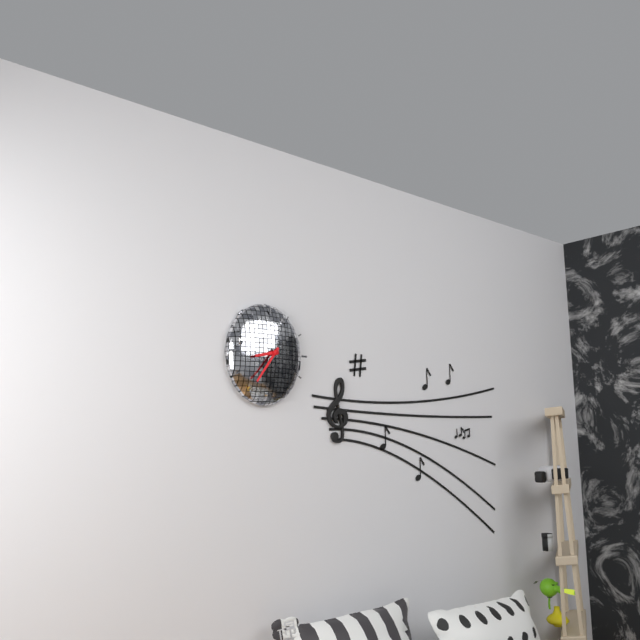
{"hour": 8, "minute": 36}
